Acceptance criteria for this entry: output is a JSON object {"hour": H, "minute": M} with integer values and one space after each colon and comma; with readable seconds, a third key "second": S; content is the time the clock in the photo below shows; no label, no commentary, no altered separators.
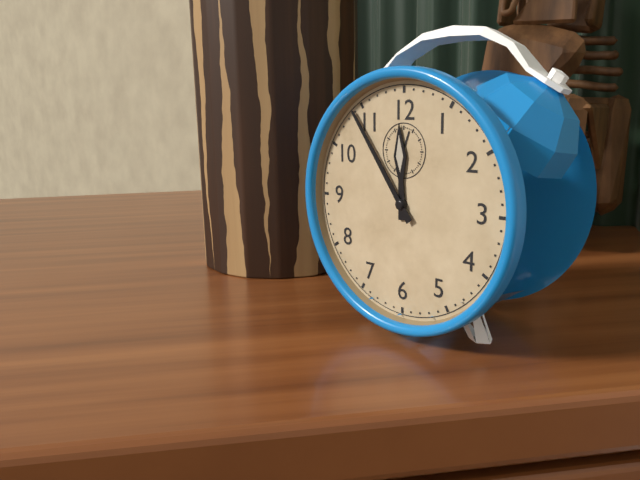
{"hour": 11, "minute": 54}
